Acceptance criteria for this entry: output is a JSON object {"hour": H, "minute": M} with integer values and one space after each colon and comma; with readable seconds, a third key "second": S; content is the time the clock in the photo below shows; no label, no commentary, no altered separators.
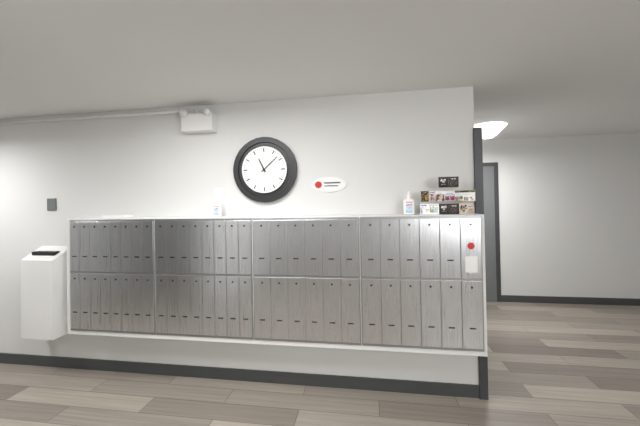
{"hour": 11, "minute": 8}
